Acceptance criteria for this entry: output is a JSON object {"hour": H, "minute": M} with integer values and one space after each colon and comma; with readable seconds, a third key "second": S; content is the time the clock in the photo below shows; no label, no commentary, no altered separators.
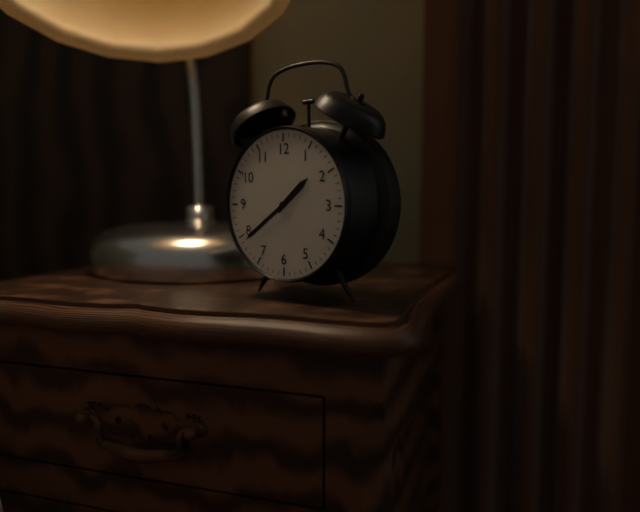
{"hour": 1, "minute": 39}
